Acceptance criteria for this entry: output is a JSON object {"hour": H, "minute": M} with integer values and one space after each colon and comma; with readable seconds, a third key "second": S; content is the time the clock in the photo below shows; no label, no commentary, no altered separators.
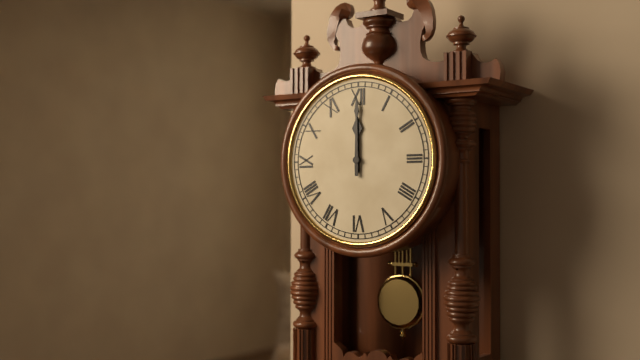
{"hour": 12, "minute": 0}
